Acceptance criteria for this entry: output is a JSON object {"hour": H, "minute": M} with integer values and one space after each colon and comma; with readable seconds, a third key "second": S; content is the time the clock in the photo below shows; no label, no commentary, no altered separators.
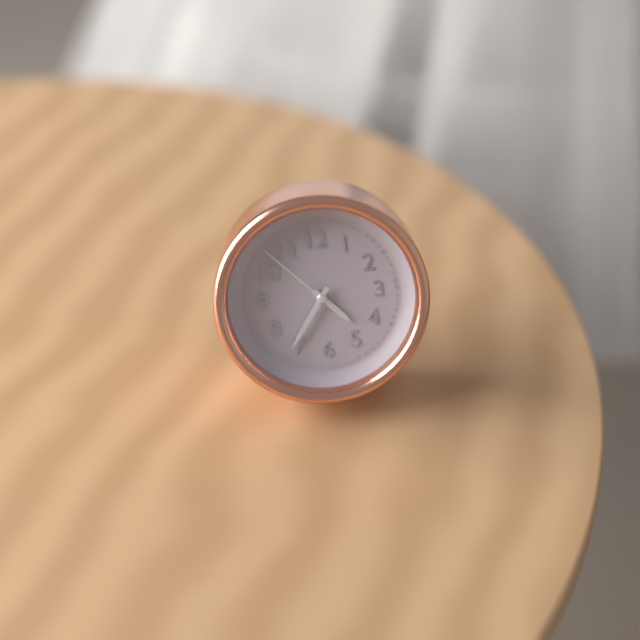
{"hour": 4, "minute": 36, "second": 53}
